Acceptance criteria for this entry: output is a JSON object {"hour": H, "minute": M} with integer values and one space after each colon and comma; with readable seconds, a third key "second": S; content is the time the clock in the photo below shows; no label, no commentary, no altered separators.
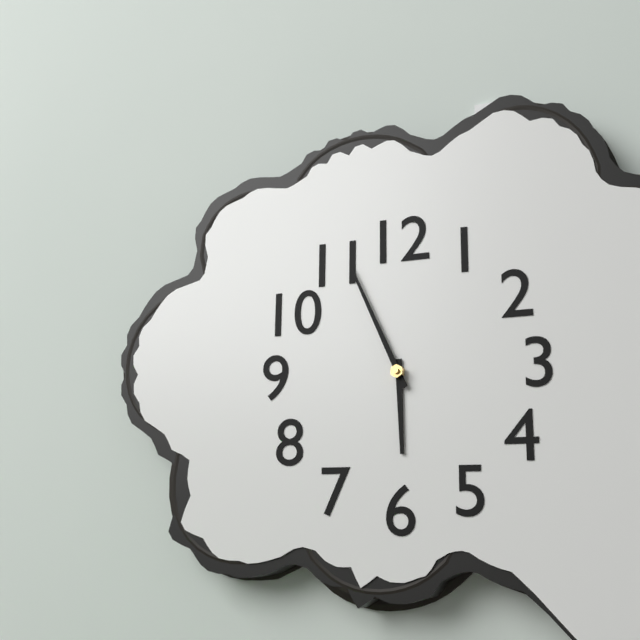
{"hour": 5, "minute": 56}
